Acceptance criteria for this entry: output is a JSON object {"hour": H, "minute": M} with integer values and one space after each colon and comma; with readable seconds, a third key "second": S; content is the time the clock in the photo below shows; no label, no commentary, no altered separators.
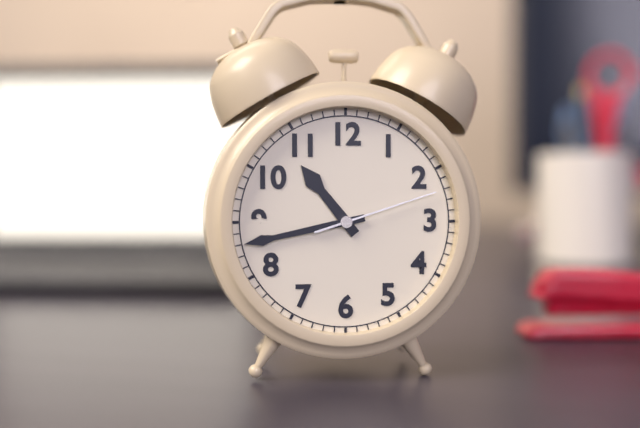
{"hour": 10, "minute": 43, "second": 12}
